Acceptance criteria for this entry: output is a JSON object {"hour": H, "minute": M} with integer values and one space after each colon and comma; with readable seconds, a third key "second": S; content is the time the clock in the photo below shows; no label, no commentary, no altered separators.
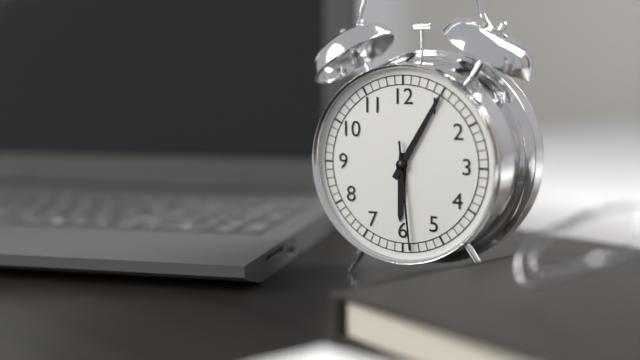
{"hour": 6, "minute": 5, "second": 29}
